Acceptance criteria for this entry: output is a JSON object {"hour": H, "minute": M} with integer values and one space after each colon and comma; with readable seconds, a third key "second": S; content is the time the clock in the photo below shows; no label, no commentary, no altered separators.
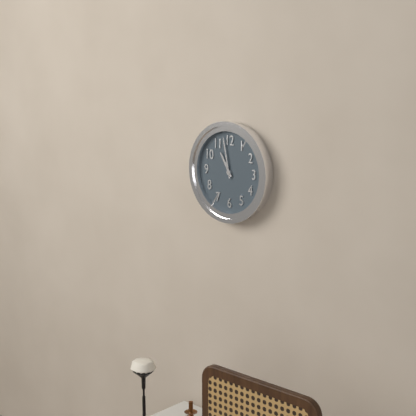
{"hour": 10, "minute": 58}
